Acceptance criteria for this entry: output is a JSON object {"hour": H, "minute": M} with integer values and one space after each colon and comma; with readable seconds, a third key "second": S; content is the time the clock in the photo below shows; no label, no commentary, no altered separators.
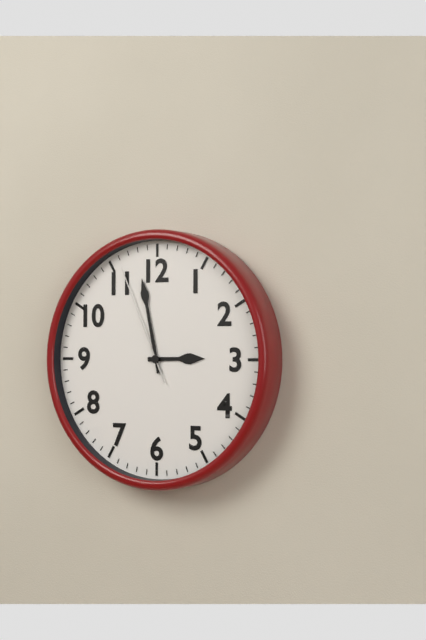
{"hour": 2, "minute": 58, "second": 56}
